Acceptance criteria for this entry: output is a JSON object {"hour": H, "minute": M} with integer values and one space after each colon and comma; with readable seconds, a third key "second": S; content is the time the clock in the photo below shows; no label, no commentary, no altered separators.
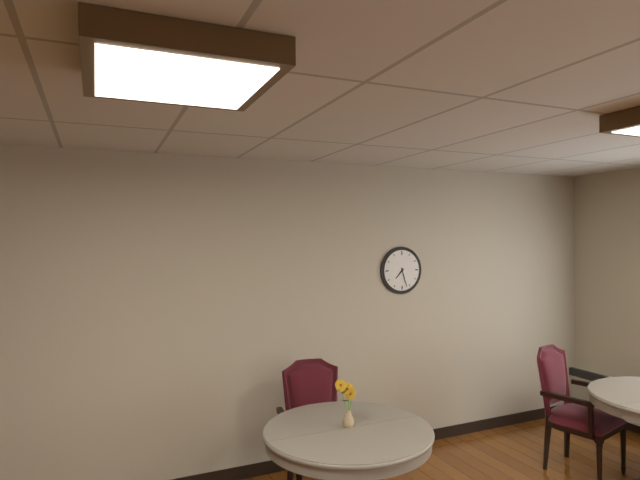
{"hour": 7, "minute": 27}
